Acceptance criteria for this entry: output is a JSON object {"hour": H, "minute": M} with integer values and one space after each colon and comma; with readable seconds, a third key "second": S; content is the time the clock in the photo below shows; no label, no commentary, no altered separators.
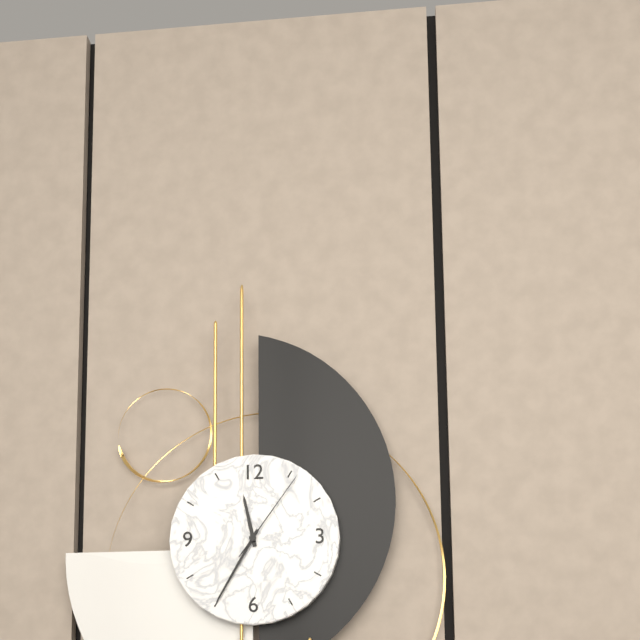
{"hour": 11, "minute": 35, "second": 6}
